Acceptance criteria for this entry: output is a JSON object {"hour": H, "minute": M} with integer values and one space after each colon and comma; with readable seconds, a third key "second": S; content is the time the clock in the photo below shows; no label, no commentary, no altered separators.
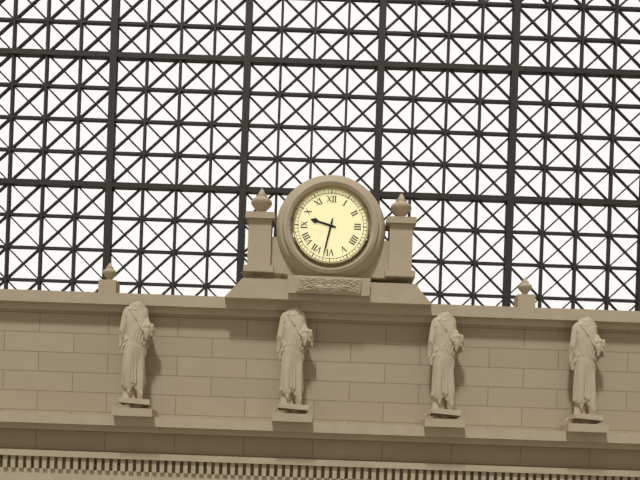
{"hour": 9, "minute": 32}
